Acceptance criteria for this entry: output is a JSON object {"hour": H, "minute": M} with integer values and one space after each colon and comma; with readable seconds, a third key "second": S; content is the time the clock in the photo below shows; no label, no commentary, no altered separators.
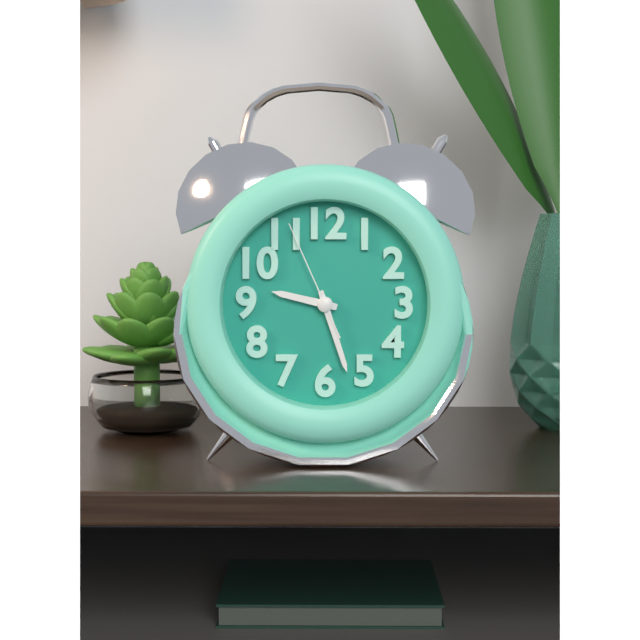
{"hour": 9, "minute": 27, "second": 56}
